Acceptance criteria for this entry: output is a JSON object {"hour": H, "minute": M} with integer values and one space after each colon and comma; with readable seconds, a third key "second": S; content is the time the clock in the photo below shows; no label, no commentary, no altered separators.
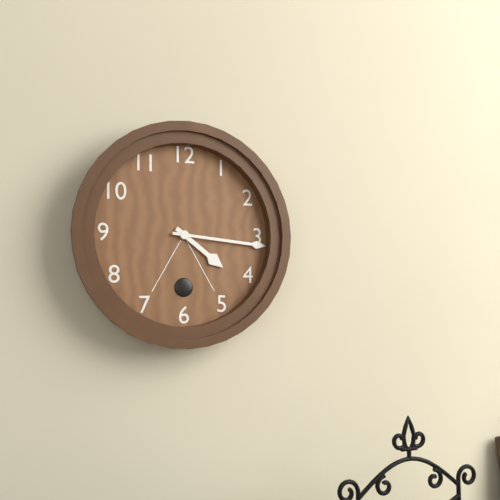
{"hour": 4, "minute": 16}
